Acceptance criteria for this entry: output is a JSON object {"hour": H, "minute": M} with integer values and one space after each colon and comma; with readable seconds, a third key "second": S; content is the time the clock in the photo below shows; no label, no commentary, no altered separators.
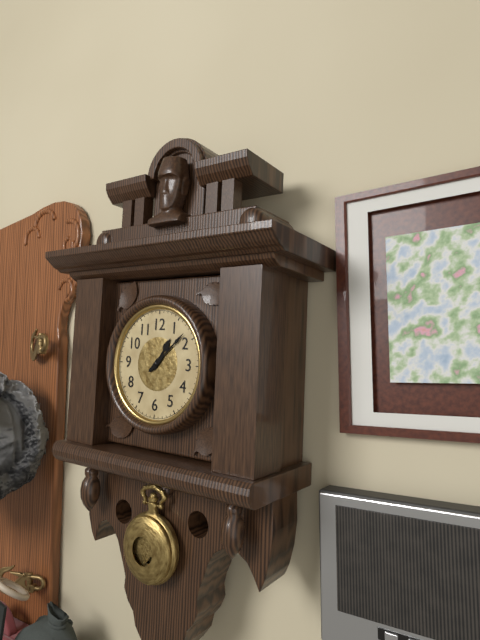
{"hour": 1, "minute": 8}
